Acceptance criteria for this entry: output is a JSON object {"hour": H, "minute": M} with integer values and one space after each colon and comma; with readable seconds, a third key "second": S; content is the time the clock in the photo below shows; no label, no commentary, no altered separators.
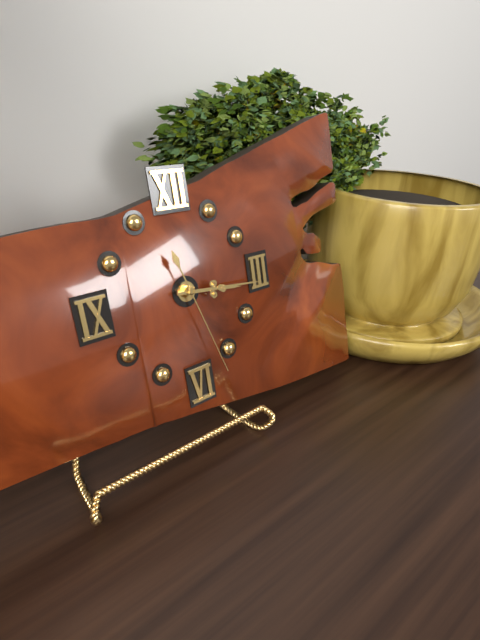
{"hour": 3, "minute": 16, "second": 27}
